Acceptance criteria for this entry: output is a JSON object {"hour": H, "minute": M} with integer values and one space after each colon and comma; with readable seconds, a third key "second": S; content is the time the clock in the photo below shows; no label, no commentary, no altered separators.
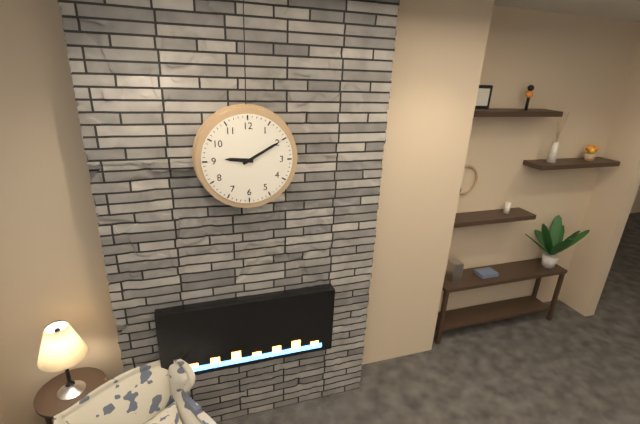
{"hour": 9, "minute": 10}
